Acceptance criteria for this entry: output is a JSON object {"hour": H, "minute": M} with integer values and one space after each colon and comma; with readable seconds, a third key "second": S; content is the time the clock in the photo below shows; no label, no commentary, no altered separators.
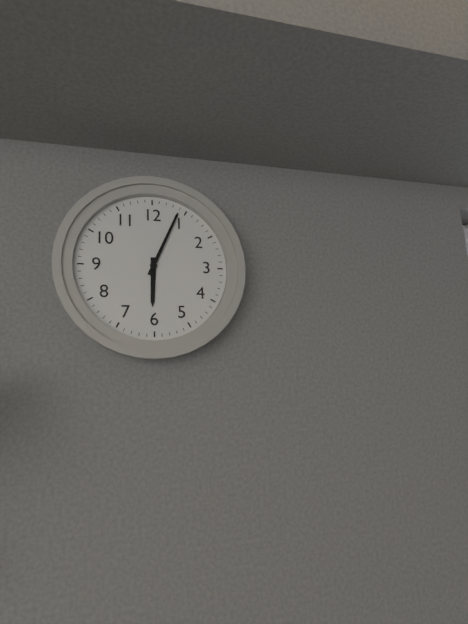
{"hour": 6, "minute": 4}
